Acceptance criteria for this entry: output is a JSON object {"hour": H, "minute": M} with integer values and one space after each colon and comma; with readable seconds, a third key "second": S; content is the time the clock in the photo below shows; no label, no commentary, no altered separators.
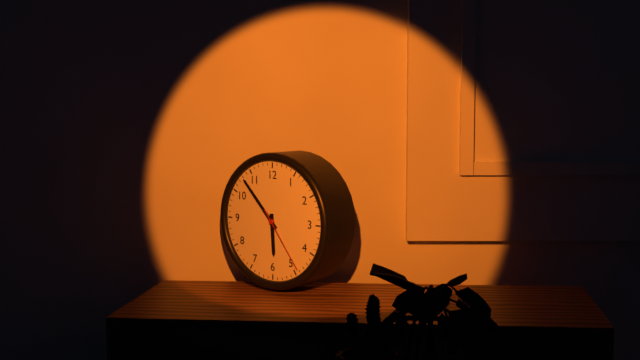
{"hour": 5, "minute": 53, "second": 24}
